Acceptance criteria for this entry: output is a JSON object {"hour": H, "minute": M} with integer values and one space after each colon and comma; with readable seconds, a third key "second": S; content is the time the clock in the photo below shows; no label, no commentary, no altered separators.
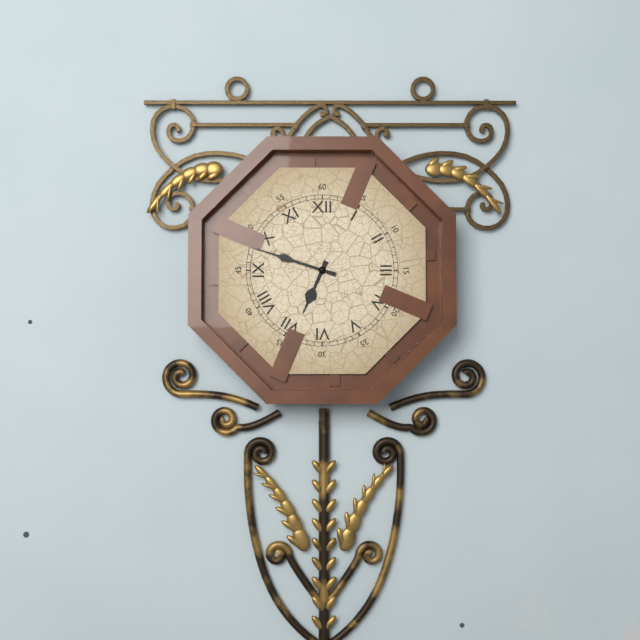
{"hour": 6, "minute": 48}
